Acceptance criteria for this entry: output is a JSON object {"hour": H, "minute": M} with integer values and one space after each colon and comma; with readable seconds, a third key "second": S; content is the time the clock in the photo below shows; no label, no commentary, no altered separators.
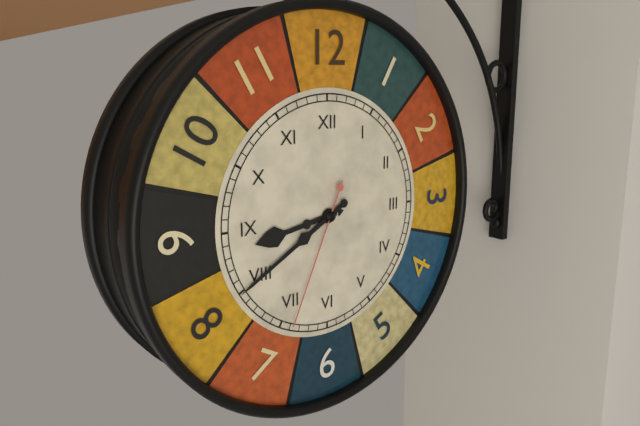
{"hour": 8, "minute": 40, "second": 34}
